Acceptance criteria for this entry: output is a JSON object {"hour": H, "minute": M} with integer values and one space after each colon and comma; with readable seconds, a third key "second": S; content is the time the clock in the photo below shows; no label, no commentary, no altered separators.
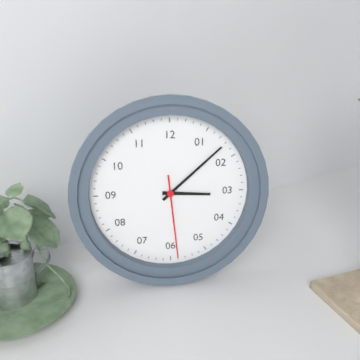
{"hour": 3, "minute": 8, "second": 29}
